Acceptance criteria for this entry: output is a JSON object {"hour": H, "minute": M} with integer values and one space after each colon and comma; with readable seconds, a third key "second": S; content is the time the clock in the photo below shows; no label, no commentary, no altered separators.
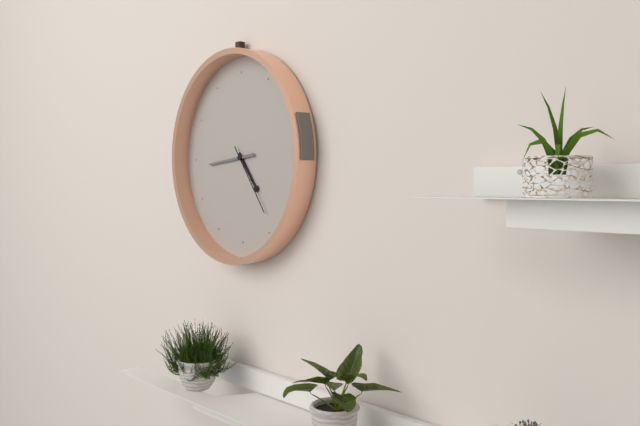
{"hour": 4, "minute": 44, "second": 24}
